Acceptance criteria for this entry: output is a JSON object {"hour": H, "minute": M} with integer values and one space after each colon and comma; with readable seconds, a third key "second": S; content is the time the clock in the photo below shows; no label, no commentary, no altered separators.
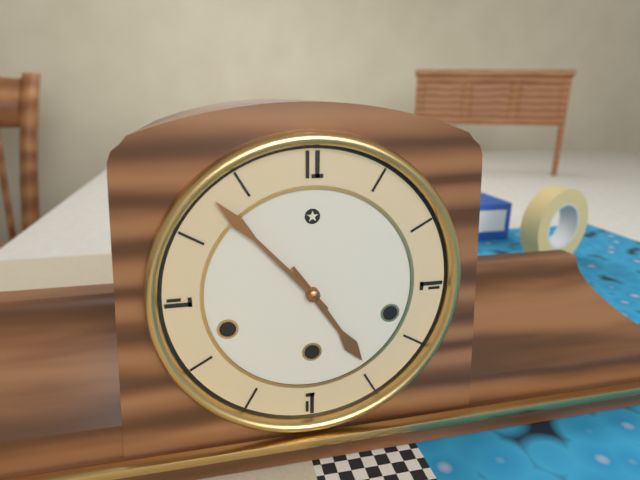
{"hour": 4, "minute": 53}
